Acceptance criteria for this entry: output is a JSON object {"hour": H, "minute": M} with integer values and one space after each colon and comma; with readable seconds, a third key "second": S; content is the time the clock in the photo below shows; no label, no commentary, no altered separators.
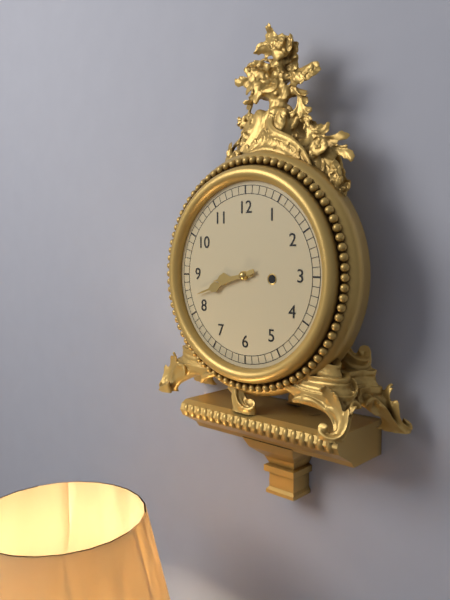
{"hour": 8, "minute": 42}
